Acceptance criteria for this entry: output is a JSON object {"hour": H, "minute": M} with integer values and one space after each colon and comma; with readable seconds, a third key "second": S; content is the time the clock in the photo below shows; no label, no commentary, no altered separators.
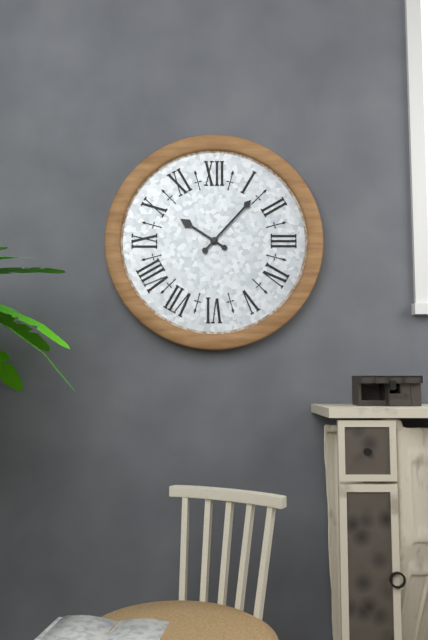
{"hour": 10, "minute": 7}
